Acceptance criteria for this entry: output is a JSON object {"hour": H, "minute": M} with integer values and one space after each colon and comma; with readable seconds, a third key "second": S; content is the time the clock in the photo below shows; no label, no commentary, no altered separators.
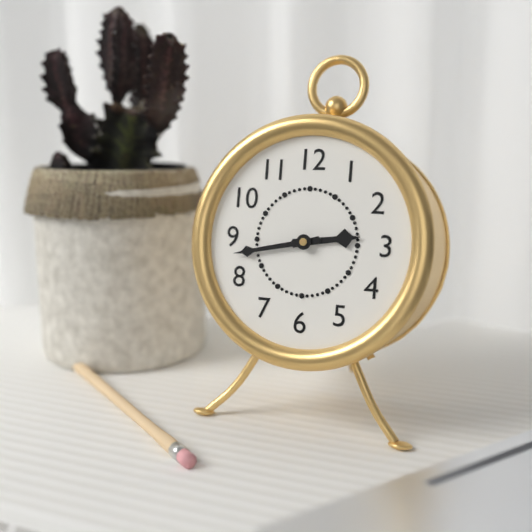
{"hour": 2, "minute": 43}
